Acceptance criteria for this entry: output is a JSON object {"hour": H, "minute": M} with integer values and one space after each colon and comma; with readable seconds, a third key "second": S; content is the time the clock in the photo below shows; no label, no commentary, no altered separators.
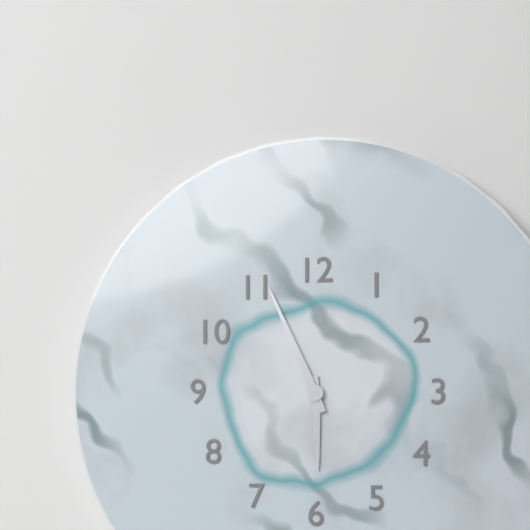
{"hour": 5, "minute": 56}
